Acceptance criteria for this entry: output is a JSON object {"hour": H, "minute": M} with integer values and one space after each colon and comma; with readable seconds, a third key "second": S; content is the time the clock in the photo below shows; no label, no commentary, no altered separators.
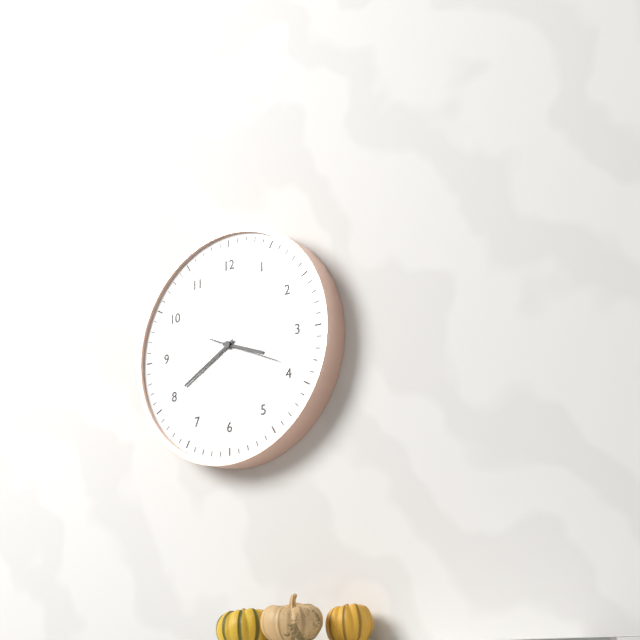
{"hour": 3, "minute": 40, "second": 19}
